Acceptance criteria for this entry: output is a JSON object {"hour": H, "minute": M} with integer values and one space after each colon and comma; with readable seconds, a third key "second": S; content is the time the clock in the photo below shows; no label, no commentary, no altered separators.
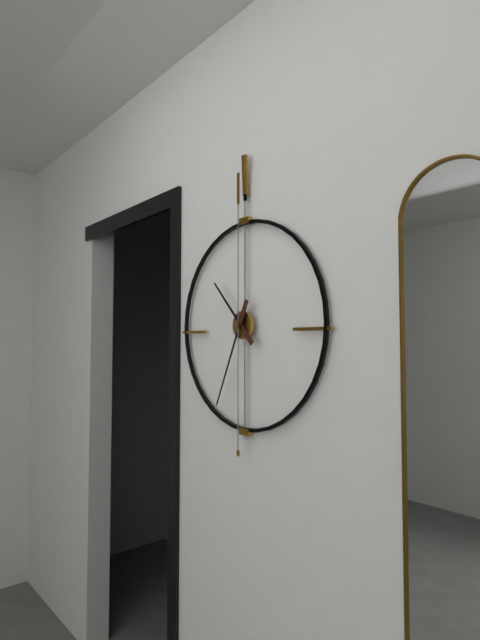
{"hour": 10, "minute": 34, "second": 0}
